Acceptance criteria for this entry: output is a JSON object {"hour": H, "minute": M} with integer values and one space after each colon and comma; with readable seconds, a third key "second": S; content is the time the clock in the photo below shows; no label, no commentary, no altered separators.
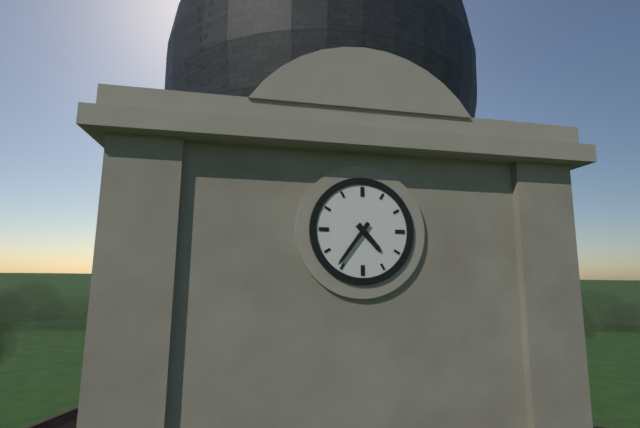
{"hour": 4, "minute": 36}
